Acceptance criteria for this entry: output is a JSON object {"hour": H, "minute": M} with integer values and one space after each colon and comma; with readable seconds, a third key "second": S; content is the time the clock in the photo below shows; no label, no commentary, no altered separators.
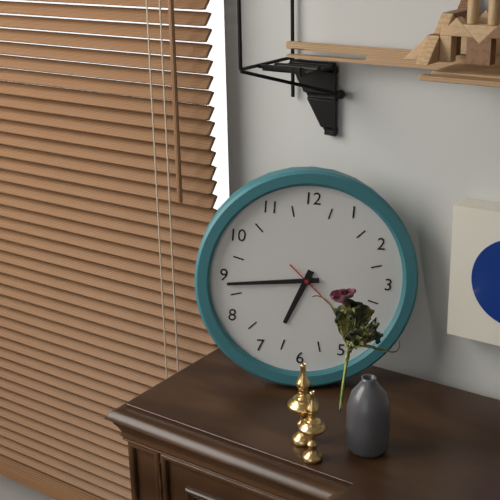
{"hour": 6, "minute": 44}
